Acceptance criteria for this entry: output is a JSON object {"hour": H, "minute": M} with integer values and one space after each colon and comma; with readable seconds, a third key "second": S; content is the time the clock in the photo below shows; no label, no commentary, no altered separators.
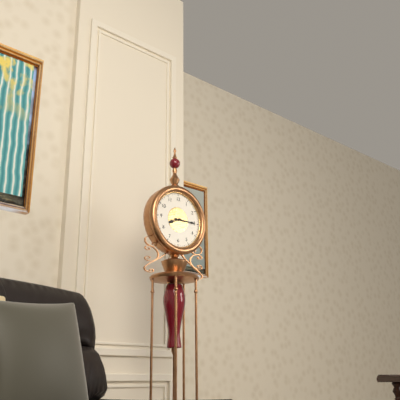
{"hour": 8, "minute": 15}
